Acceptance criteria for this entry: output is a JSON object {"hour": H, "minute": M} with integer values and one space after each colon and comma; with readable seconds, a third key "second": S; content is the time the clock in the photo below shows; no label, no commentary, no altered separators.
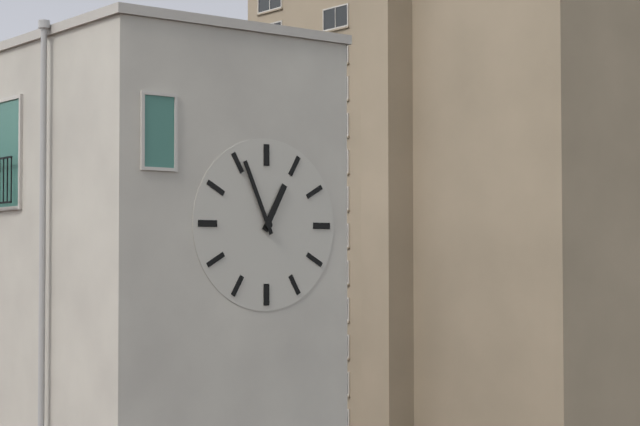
{"hour": 12, "minute": 56}
